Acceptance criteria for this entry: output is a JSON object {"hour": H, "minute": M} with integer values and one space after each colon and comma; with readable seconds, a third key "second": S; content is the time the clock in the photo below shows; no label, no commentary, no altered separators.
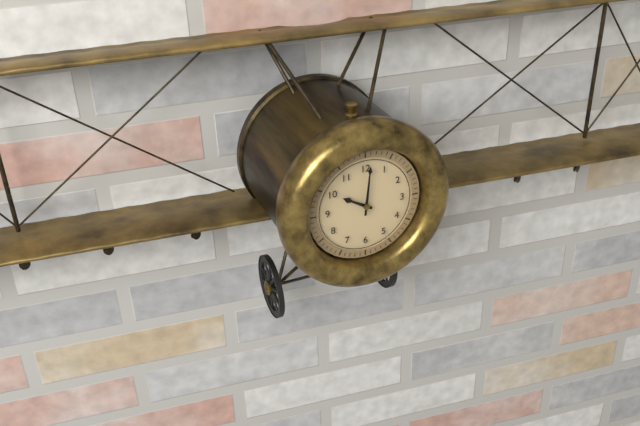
{"hour": 10, "minute": 1}
